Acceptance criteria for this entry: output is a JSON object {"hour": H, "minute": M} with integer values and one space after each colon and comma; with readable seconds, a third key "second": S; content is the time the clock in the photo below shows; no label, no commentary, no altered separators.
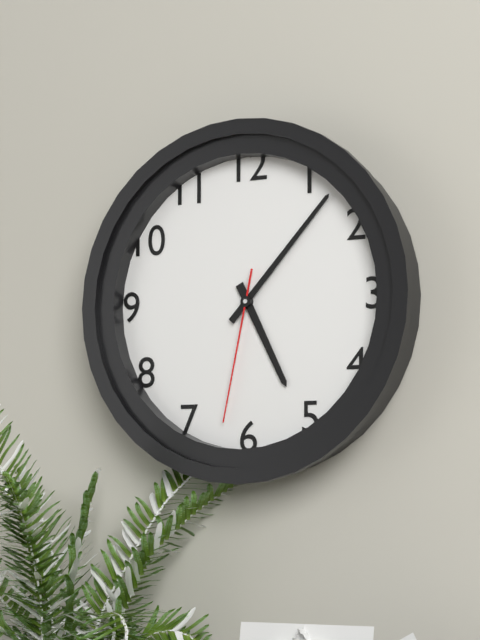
{"hour": 5, "minute": 7, "second": 32}
